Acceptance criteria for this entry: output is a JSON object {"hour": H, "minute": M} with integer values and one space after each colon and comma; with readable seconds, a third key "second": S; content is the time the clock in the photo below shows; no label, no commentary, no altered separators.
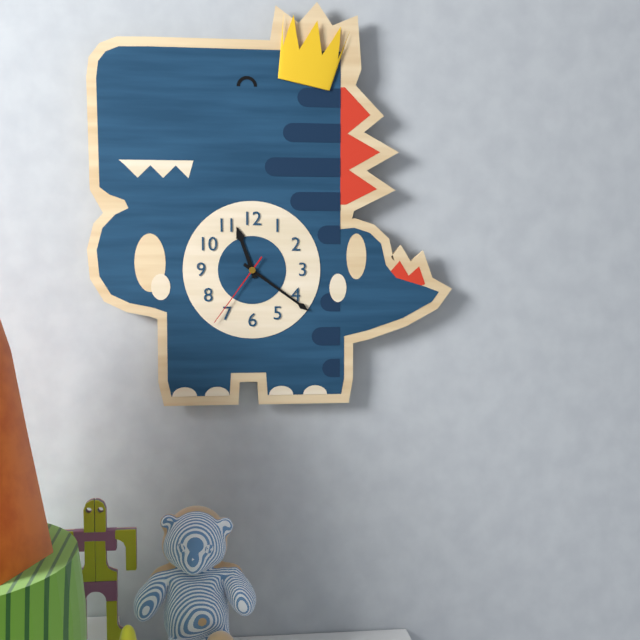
{"hour": 11, "minute": 21, "second": 36}
